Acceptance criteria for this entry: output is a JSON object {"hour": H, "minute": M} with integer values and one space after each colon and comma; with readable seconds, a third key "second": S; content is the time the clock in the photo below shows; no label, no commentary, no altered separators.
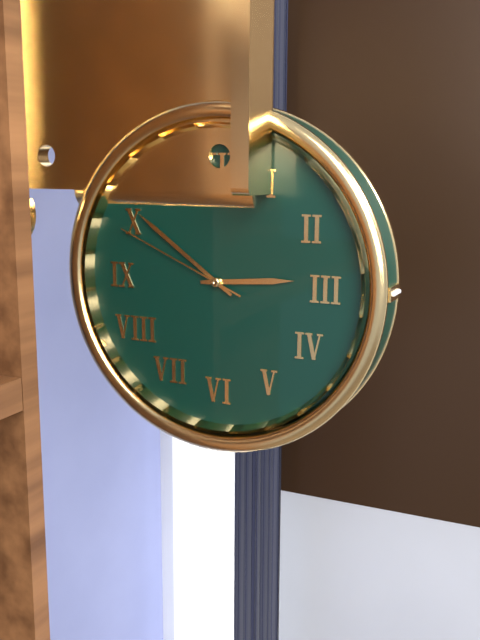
{"hour": 2, "minute": 51, "second": 49}
